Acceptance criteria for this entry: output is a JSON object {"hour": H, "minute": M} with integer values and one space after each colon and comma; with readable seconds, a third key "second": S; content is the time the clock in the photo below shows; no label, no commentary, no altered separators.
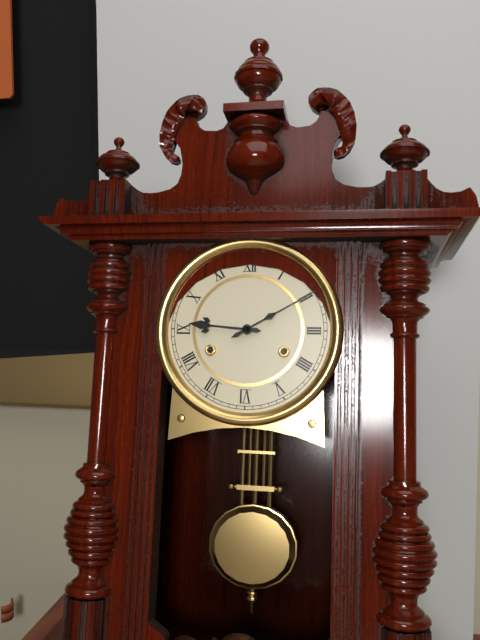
{"hour": 9, "minute": 10}
